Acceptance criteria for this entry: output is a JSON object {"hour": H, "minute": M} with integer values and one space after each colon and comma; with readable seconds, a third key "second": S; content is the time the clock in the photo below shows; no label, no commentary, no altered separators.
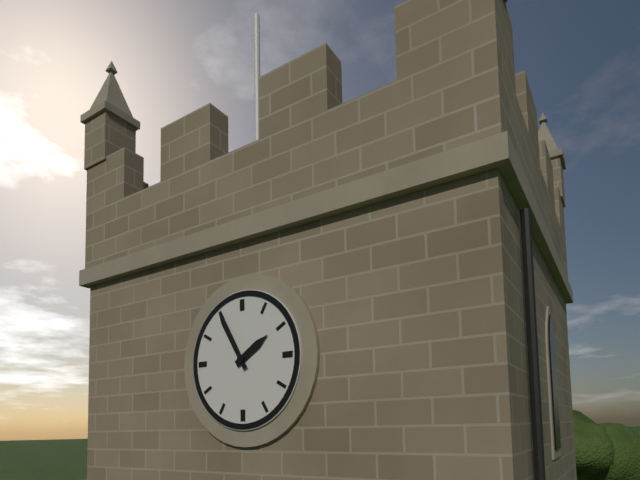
{"hour": 1, "minute": 55}
